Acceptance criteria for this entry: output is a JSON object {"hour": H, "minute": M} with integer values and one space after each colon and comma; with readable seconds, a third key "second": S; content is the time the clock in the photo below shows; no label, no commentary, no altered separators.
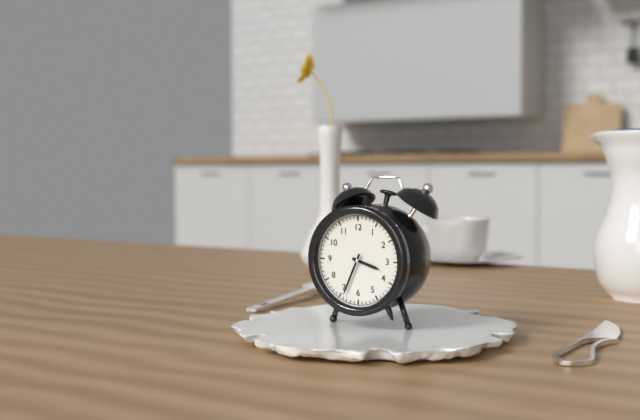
{"hour": 3, "minute": 34}
